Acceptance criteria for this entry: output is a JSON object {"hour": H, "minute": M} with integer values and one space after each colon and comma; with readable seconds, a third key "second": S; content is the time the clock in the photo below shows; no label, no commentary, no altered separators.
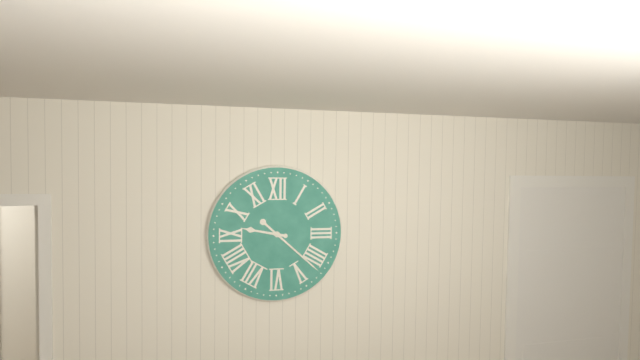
{"hour": 9, "minute": 22}
